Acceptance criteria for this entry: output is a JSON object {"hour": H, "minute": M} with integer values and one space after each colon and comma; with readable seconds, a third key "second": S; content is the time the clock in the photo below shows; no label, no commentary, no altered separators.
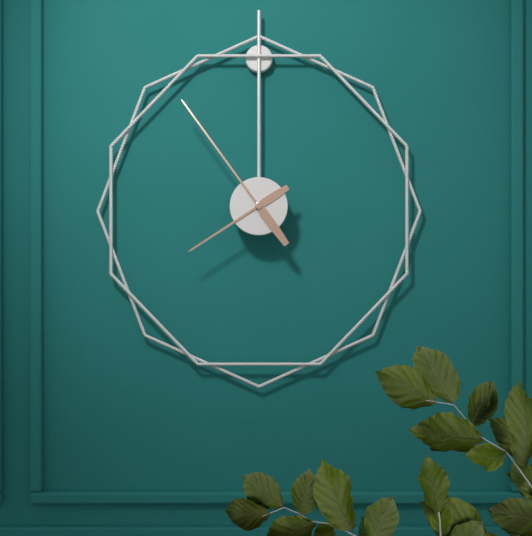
{"hour": 7, "minute": 54}
